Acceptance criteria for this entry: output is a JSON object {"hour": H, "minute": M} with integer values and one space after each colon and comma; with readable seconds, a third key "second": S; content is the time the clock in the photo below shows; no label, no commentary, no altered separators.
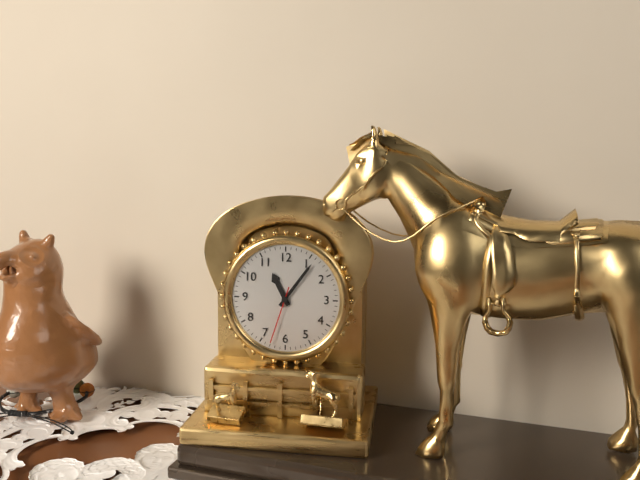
{"hour": 11, "minute": 6, "second": 33}
